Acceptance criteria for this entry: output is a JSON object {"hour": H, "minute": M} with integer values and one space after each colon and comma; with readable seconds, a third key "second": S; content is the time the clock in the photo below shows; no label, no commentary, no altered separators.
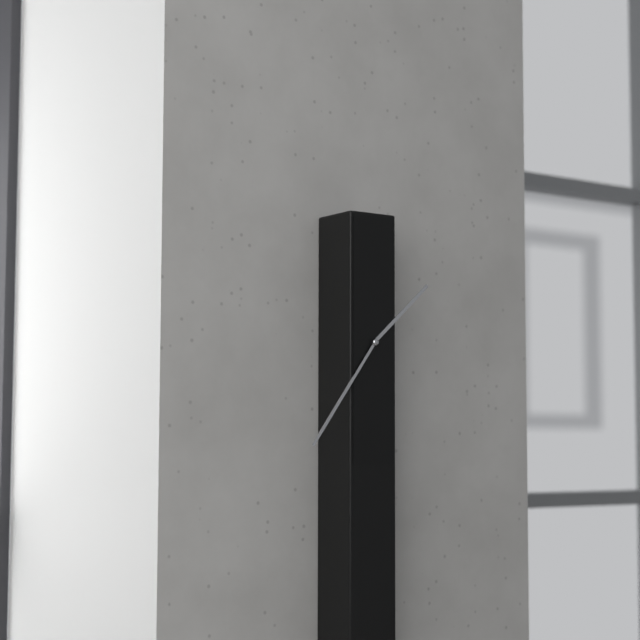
{"hour": 1, "minute": 36}
